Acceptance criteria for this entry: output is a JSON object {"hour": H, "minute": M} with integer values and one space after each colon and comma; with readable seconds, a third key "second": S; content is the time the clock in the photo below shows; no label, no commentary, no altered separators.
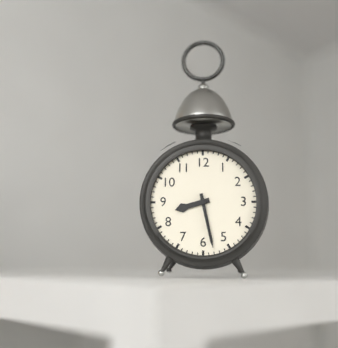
{"hour": 8, "minute": 28}
